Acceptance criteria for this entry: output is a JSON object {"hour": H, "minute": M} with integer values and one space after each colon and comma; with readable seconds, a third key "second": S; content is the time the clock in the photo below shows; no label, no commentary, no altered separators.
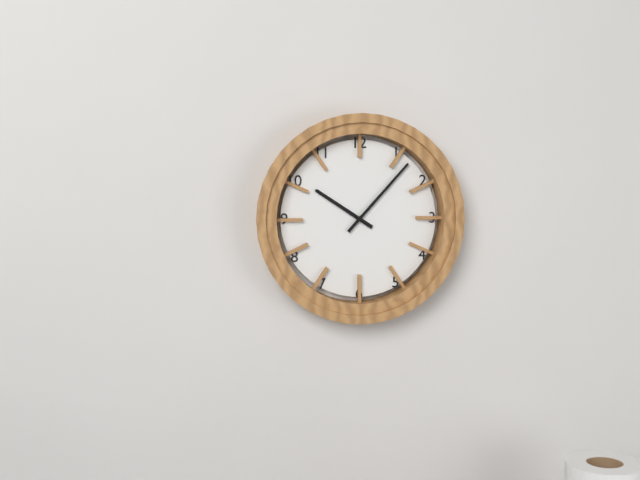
{"hour": 10, "minute": 7}
